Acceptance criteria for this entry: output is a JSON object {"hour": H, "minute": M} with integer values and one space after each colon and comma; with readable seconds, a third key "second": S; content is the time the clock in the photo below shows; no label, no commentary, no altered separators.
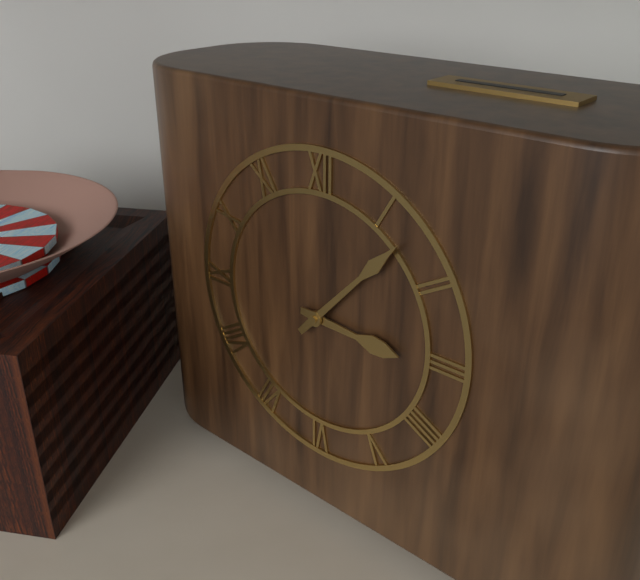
{"hour": 3, "minute": 7}
